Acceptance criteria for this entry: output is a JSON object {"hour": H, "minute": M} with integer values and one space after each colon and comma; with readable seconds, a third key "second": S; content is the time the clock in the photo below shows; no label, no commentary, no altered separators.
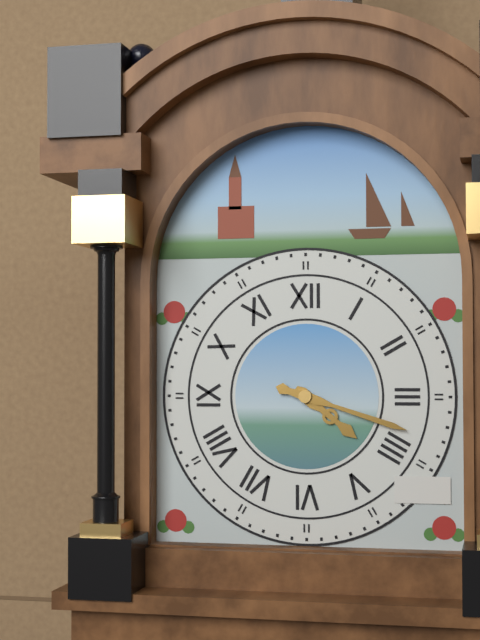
{"hour": 4, "minute": 18}
